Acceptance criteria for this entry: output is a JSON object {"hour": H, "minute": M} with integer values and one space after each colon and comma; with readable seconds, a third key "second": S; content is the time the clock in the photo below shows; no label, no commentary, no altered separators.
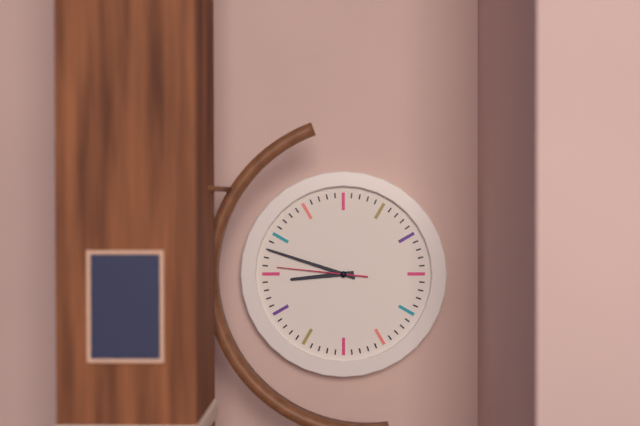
{"hour": 8, "minute": 48, "second": 46}
